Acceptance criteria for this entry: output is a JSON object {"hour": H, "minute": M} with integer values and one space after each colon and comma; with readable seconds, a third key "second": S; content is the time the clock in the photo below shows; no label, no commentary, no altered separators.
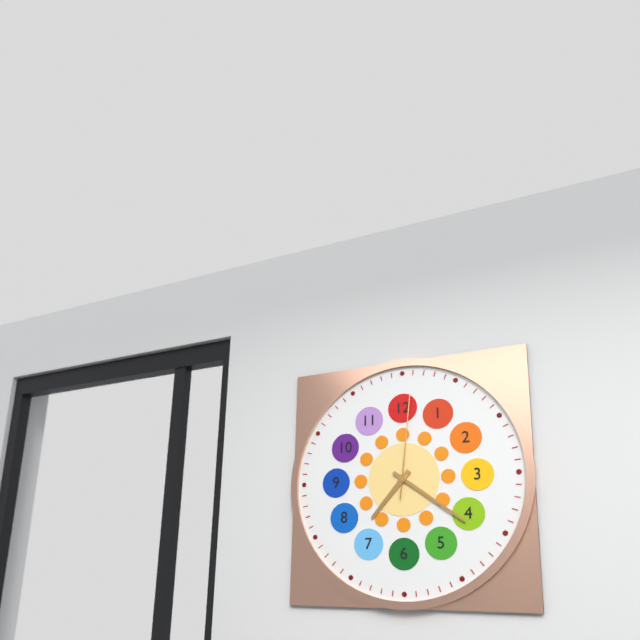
{"hour": 7, "minute": 21, "second": 1}
